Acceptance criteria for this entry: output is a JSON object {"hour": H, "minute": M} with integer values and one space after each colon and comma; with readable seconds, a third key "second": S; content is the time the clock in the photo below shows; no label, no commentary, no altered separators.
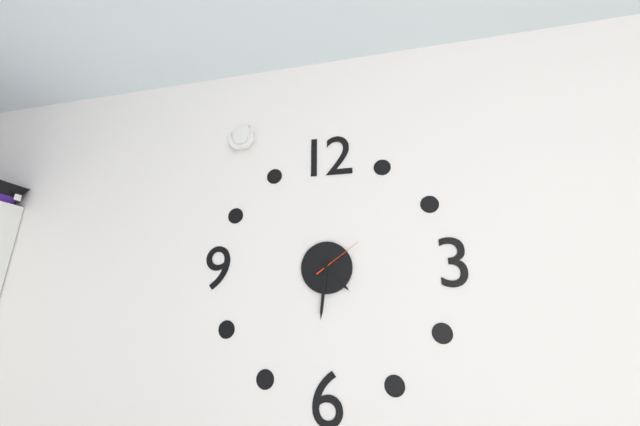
{"hour": 4, "minute": 31, "second": 9}
